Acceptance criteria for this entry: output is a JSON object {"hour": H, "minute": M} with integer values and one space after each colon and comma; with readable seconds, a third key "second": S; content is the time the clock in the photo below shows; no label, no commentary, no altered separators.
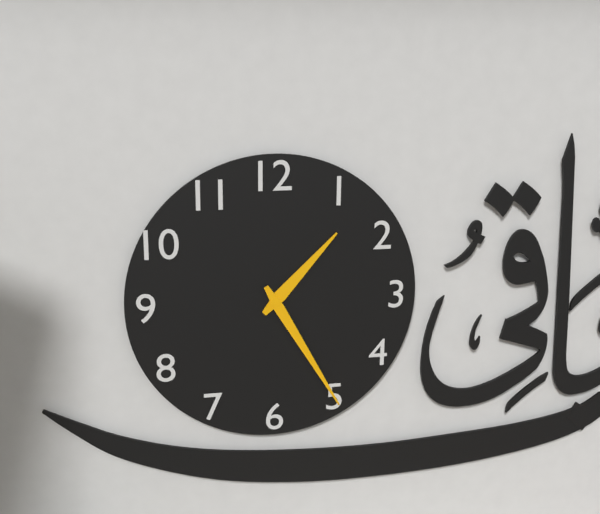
{"hour": 1, "minute": 25}
